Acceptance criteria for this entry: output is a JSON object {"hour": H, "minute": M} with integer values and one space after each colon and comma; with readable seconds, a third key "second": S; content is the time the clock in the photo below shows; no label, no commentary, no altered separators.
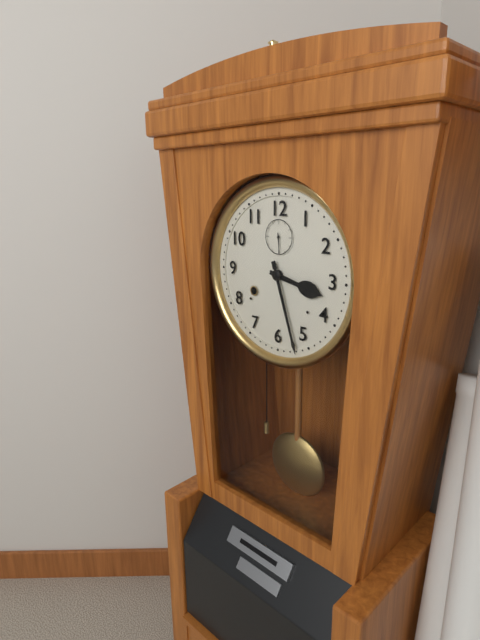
{"hour": 3, "minute": 27}
